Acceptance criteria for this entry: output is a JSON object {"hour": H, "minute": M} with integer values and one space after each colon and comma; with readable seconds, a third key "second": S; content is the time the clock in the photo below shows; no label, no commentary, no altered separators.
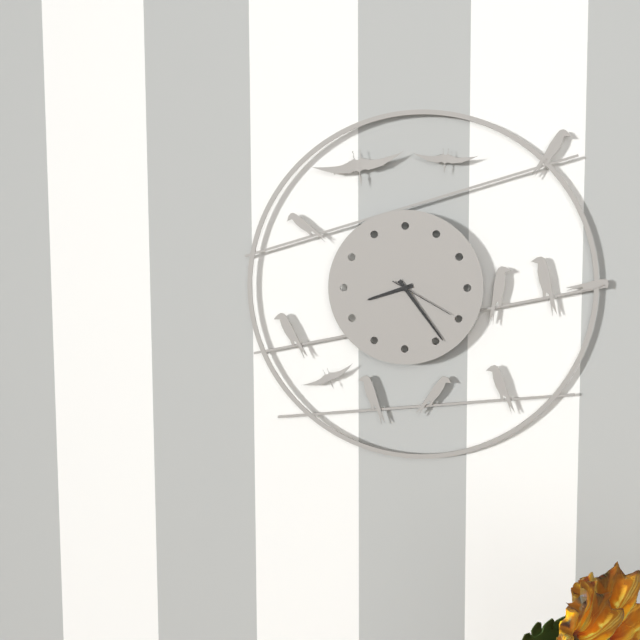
{"hour": 8, "minute": 24, "second": 20}
